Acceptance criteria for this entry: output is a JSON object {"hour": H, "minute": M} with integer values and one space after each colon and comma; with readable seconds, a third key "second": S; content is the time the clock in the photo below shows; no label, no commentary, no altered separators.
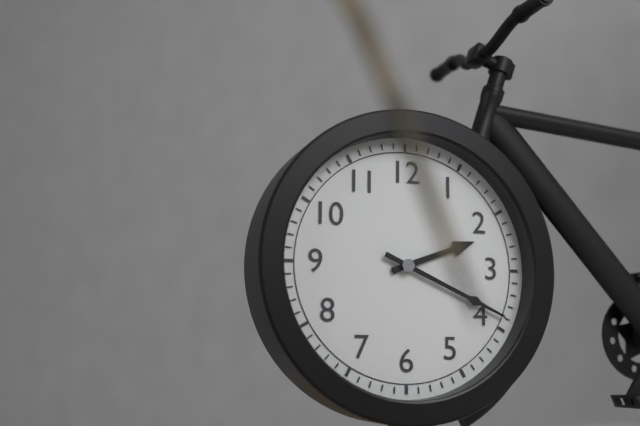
{"hour": 2, "minute": 19}
